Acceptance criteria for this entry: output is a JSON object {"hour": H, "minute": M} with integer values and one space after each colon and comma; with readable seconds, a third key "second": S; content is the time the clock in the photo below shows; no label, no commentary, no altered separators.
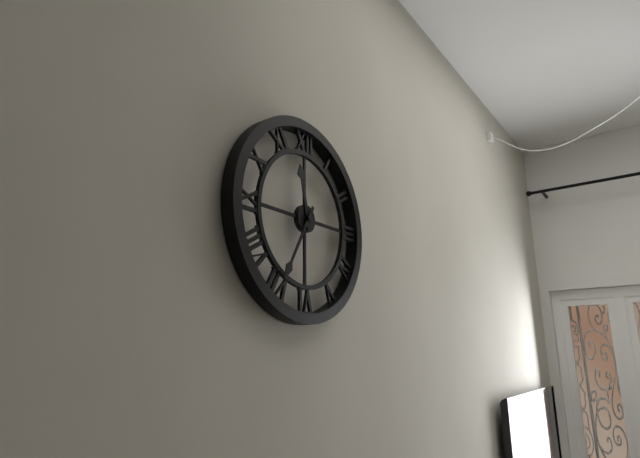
{"hour": 11, "minute": 35}
